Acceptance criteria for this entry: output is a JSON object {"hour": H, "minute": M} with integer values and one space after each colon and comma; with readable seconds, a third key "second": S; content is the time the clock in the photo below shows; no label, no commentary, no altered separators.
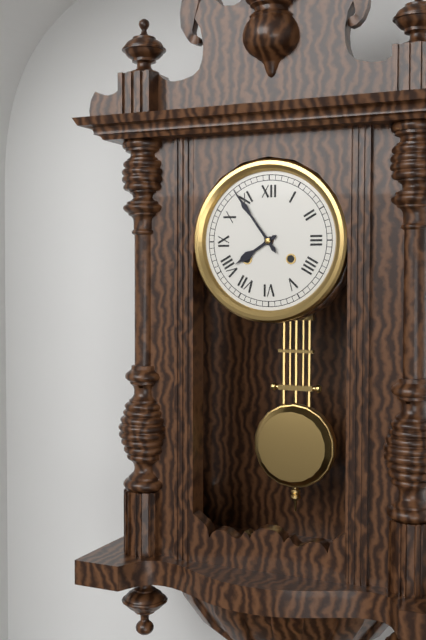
{"hour": 7, "minute": 54}
